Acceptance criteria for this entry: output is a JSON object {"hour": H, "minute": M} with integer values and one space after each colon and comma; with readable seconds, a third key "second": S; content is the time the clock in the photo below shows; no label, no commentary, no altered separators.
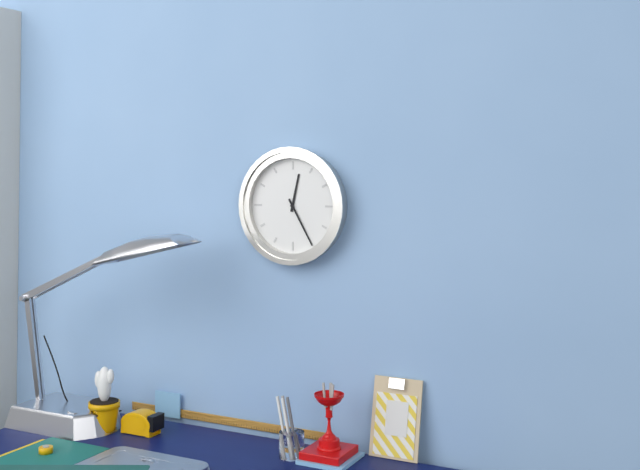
{"hour": 12, "minute": 25}
